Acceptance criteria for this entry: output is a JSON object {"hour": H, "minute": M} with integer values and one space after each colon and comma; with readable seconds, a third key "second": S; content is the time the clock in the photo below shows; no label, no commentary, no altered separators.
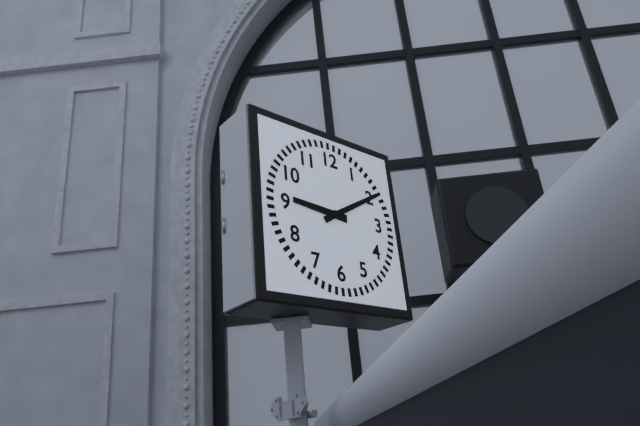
{"hour": 9, "minute": 10}
